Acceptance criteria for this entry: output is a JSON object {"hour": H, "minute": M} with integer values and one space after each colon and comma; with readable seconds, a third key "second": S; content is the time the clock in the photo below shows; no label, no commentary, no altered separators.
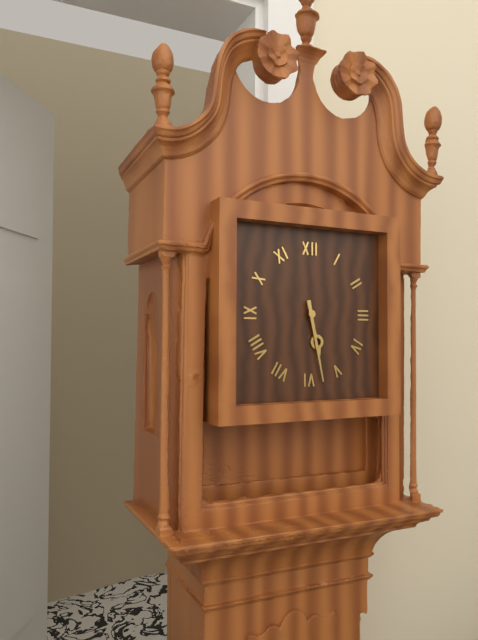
{"hour": 5, "minute": 28}
